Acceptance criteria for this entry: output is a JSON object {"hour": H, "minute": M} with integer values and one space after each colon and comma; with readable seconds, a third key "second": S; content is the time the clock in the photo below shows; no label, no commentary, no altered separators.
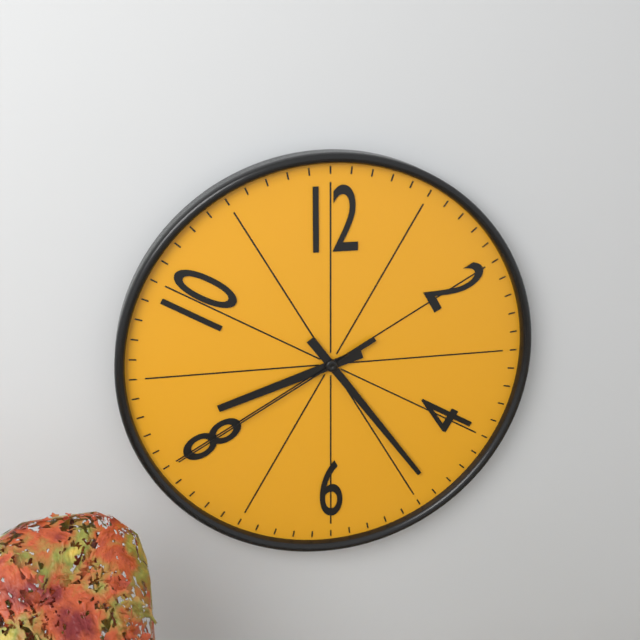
{"hour": 8, "minute": 24, "second": 40}
